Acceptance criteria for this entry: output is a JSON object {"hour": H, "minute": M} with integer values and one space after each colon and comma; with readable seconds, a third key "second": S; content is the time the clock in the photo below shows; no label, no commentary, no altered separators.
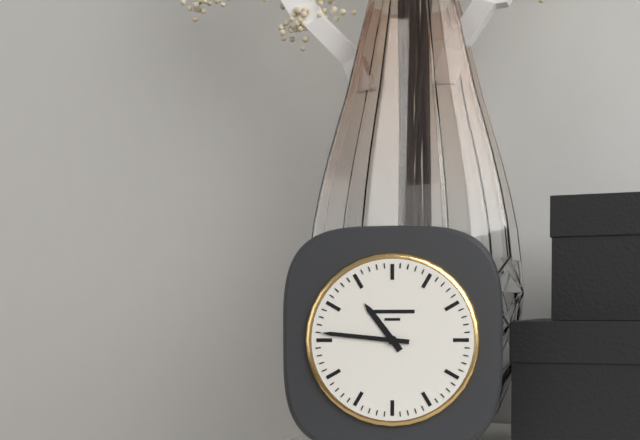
{"hour": 10, "minute": 46}
